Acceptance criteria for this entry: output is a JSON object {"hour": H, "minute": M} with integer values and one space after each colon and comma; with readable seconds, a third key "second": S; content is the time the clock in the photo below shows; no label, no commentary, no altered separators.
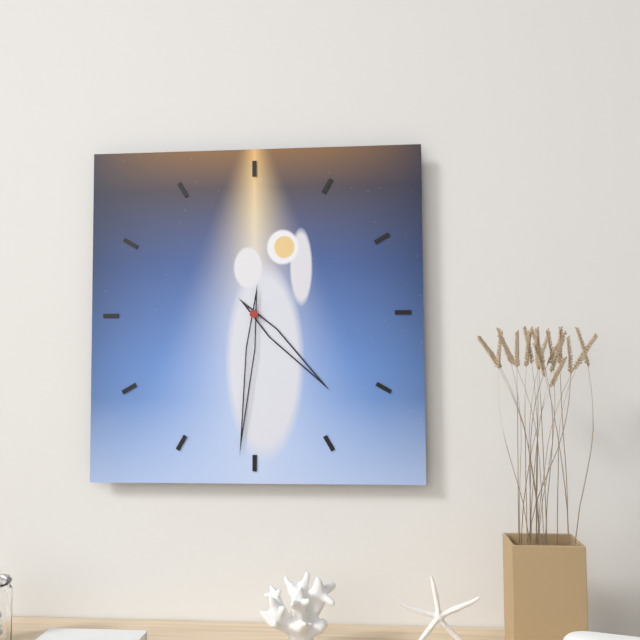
{"hour": 4, "minute": 31}
